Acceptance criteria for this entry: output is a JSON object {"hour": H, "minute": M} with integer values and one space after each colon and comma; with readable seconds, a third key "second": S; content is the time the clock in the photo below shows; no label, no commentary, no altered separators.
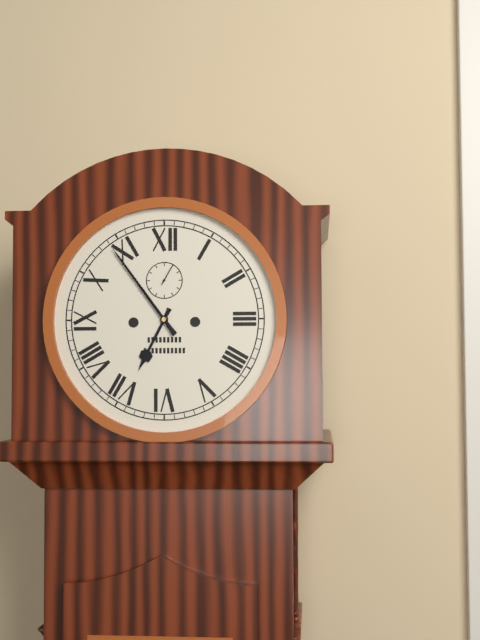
{"hour": 6, "minute": 54}
